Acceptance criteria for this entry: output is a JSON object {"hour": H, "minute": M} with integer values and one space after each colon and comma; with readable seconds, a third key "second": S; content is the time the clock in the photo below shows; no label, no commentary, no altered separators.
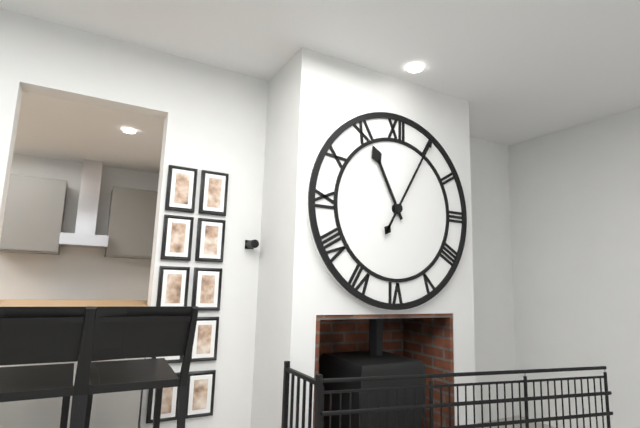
{"hour": 11, "minute": 5}
